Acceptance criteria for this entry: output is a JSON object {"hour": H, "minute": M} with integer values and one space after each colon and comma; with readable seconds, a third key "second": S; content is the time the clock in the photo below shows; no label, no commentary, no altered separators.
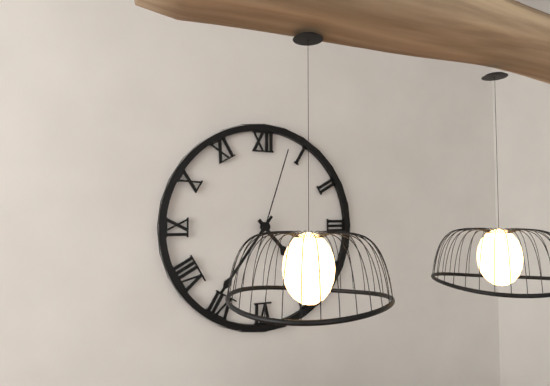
{"hour": 4, "minute": 36, "second": 3}
